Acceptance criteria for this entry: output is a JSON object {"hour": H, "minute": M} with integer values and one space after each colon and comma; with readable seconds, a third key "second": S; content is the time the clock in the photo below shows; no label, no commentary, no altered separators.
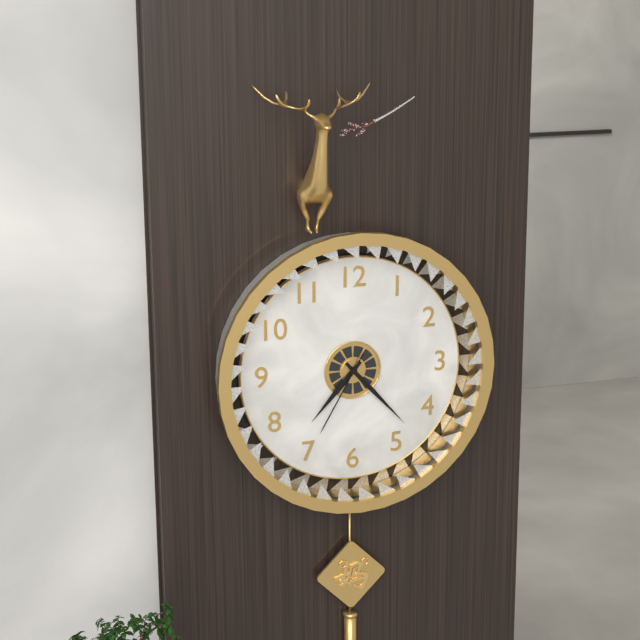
{"hour": 7, "minute": 23, "second": 35}
